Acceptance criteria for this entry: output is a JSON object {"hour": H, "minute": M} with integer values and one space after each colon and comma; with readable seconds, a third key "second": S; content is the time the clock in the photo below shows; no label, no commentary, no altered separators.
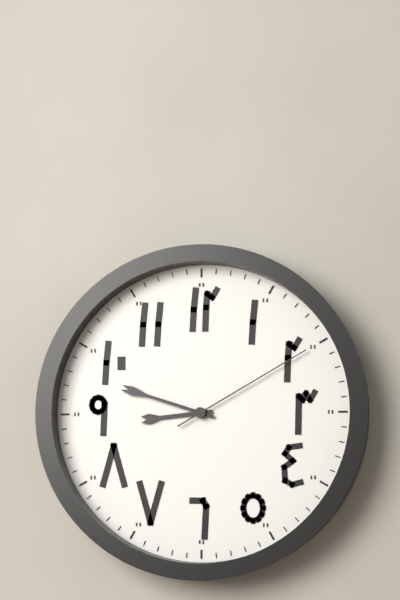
{"hour": 8, "minute": 48, "second": 10}
